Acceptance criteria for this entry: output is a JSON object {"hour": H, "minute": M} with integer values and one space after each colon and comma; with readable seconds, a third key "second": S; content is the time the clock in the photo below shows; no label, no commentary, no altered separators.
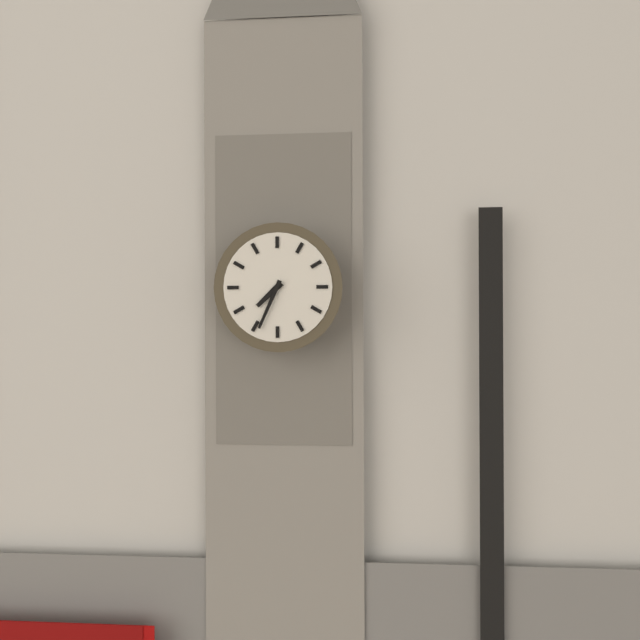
{"hour": 7, "minute": 34}
